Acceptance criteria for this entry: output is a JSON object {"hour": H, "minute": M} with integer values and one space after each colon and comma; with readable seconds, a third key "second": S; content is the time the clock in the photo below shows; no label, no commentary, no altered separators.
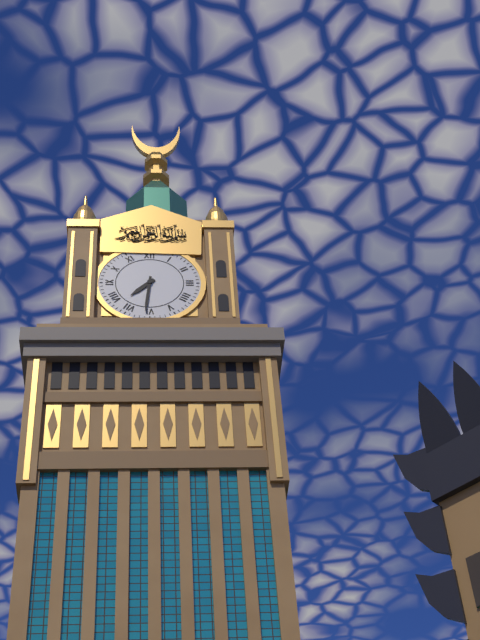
{"hour": 7, "minute": 31}
